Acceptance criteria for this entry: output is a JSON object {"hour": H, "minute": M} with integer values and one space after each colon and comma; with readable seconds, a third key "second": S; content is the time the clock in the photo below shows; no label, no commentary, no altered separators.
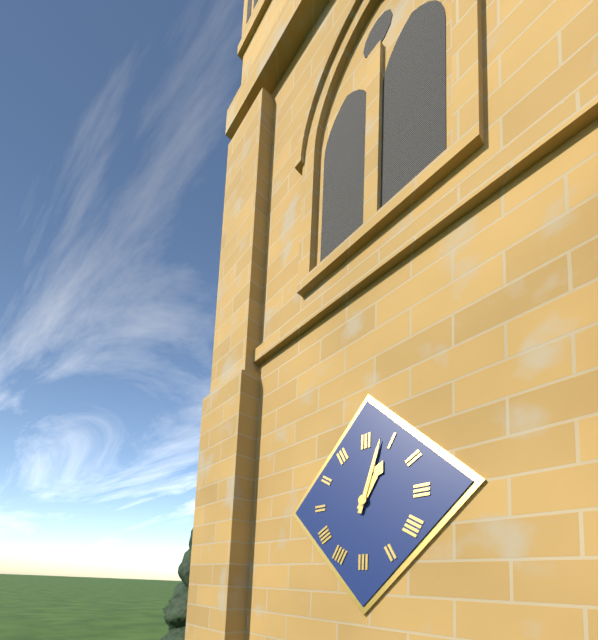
{"hour": 1, "minute": 3}
